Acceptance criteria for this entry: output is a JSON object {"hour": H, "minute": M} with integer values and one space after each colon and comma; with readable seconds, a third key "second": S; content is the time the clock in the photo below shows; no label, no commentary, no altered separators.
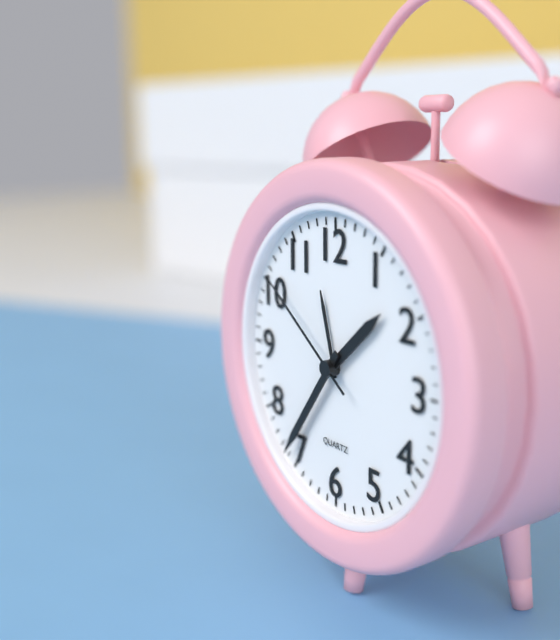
{"hour": 1, "minute": 36, "second": 51}
